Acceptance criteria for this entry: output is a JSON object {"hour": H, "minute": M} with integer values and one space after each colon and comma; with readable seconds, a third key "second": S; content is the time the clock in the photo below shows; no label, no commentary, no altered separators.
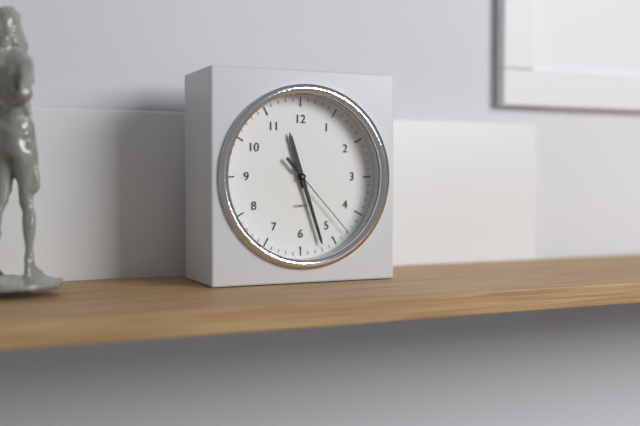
{"hour": 11, "minute": 27, "second": 23}
